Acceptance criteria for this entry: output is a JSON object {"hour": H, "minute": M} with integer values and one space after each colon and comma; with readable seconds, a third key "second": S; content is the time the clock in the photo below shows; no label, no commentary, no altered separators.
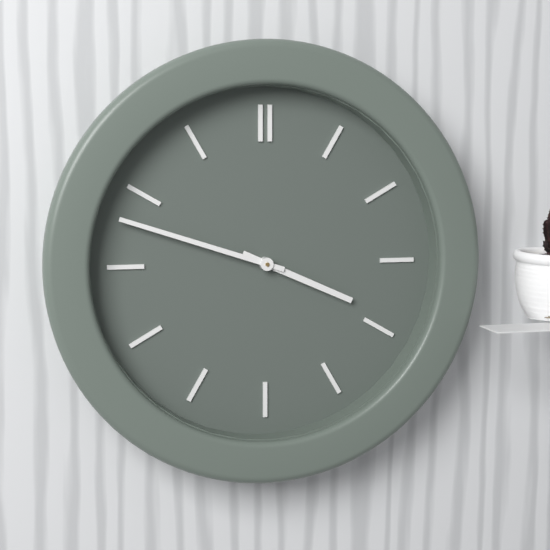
{"hour": 3, "minute": 48}
